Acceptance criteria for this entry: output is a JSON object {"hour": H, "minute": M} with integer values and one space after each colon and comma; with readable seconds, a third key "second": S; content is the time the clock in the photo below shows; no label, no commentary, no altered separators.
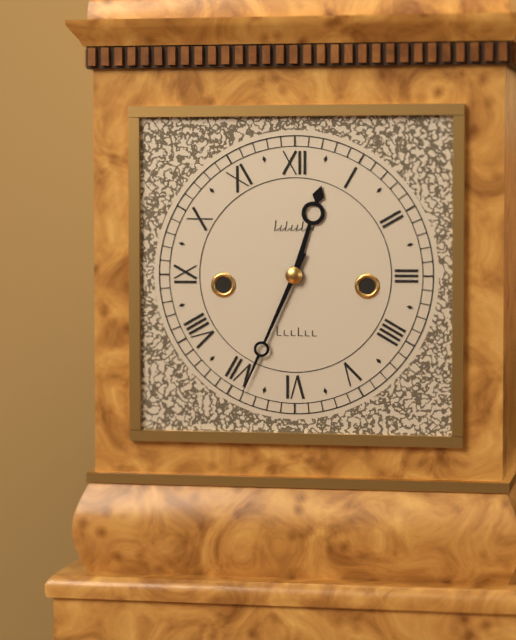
{"hour": 12, "minute": 34}
